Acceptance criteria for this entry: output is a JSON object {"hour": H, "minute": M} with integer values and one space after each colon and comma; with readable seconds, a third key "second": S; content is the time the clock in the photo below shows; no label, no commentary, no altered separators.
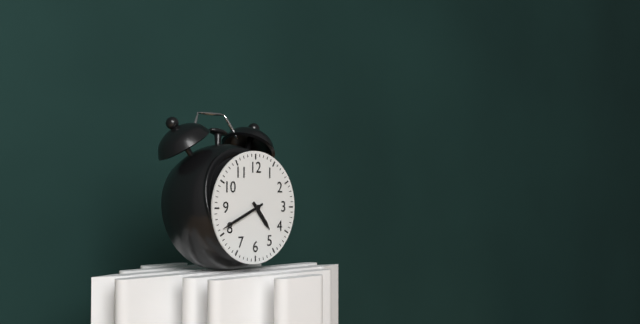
{"hour": 4, "minute": 41}
